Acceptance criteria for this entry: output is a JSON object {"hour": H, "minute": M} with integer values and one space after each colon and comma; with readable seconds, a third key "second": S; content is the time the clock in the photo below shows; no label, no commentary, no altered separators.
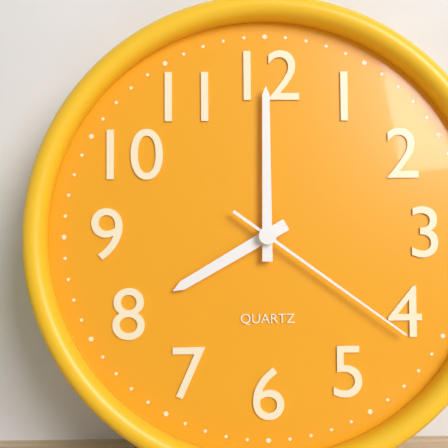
{"hour": 8, "minute": 0, "second": 21}
